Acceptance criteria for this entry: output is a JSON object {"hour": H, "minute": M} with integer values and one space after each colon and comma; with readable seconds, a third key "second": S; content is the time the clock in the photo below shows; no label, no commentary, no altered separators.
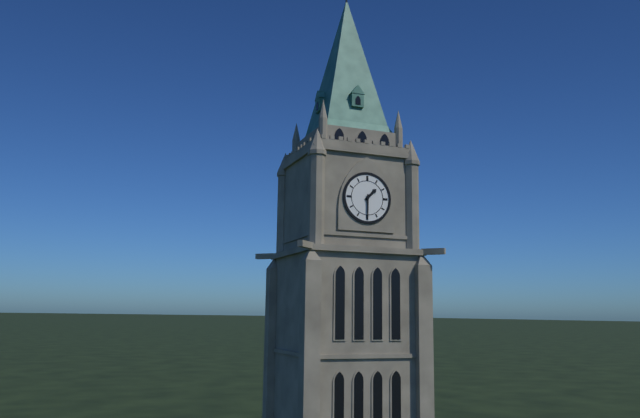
{"hour": 1, "minute": 30}
